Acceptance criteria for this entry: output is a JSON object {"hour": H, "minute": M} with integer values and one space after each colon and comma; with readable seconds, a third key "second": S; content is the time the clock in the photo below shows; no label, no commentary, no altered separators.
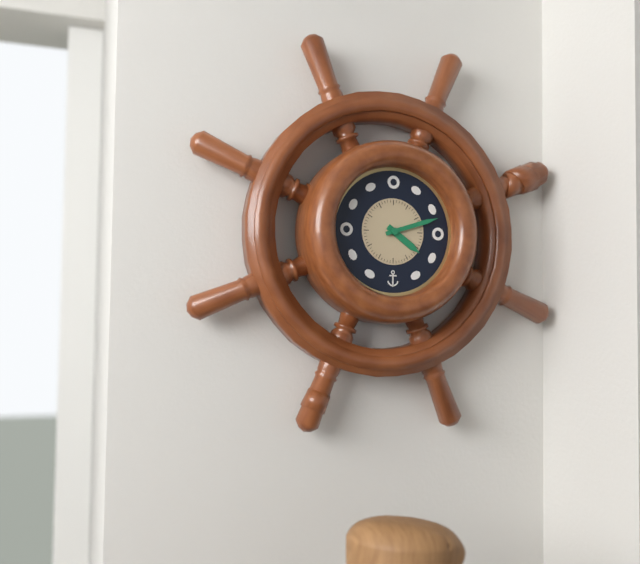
{"hour": 4, "minute": 12}
